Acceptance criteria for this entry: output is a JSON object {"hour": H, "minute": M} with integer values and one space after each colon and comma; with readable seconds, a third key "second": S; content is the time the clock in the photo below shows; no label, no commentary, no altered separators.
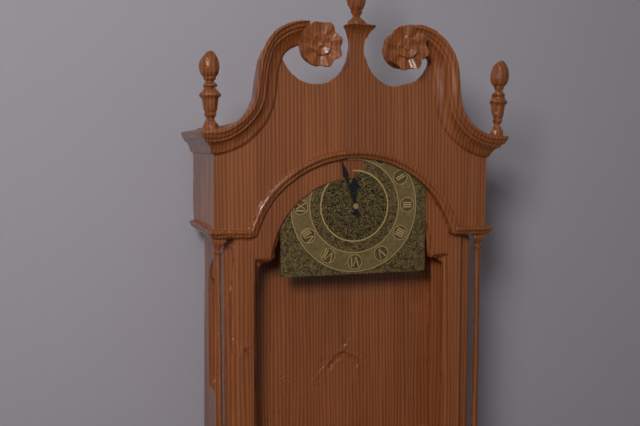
{"hour": 11, "minute": 57}
